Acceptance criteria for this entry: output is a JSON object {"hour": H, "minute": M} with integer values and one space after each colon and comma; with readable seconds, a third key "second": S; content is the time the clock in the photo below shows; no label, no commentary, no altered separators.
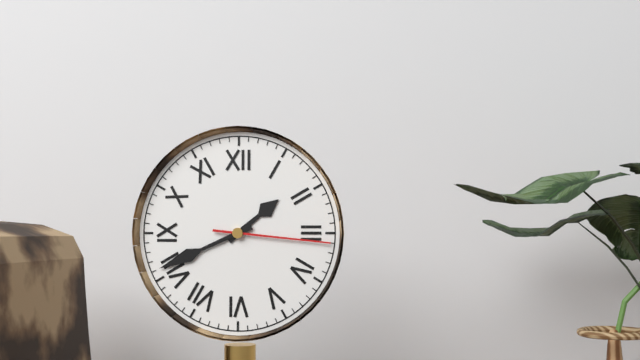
{"hour": 1, "minute": 41, "second": 16}
